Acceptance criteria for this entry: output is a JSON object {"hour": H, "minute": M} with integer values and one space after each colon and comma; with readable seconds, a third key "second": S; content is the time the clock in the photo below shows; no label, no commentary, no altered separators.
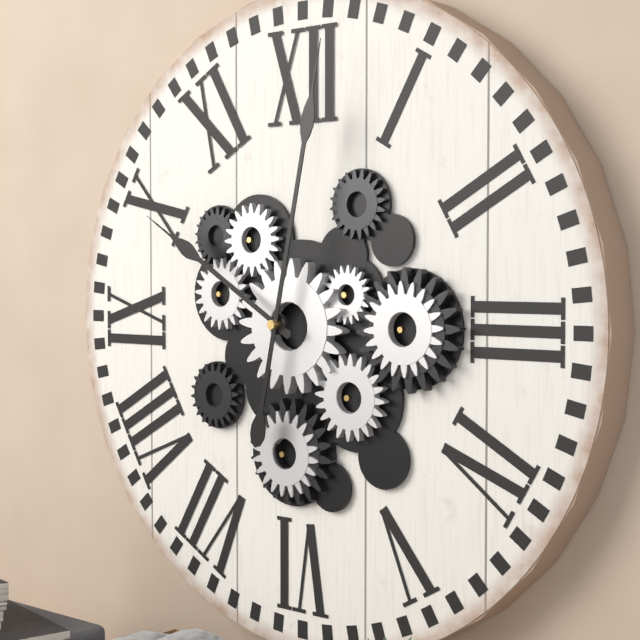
{"hour": 10, "minute": 2}
